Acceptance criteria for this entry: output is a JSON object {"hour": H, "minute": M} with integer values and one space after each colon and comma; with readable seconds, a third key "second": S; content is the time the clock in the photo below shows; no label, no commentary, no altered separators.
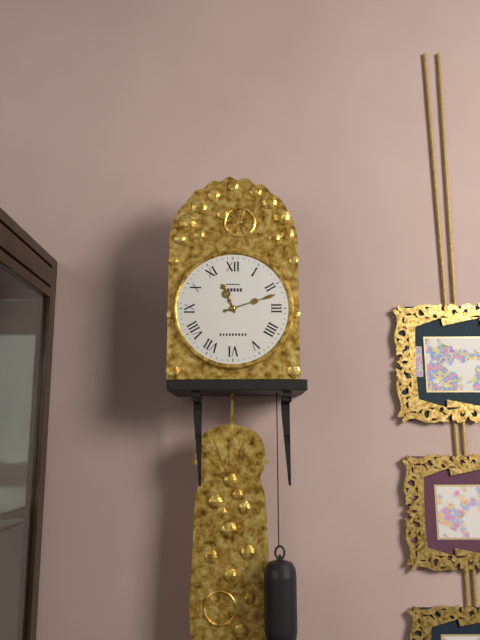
{"hour": 11, "minute": 12}
